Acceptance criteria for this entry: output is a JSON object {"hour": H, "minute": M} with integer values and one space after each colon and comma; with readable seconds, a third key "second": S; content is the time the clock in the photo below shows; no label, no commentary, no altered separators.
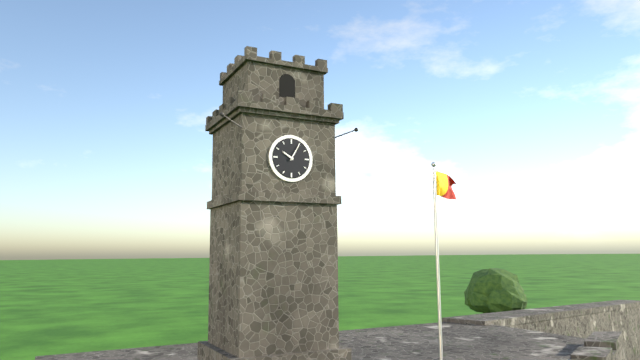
{"hour": 10, "minute": 5}
